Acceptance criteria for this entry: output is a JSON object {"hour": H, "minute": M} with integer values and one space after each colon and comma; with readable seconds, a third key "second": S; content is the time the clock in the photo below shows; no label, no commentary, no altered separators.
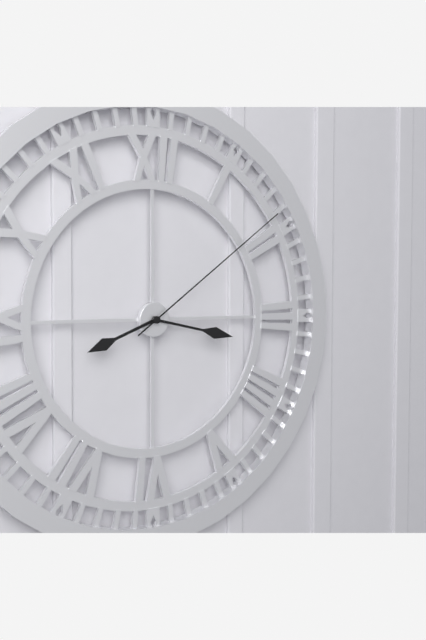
{"hour": 8, "minute": 17, "second": 9}
